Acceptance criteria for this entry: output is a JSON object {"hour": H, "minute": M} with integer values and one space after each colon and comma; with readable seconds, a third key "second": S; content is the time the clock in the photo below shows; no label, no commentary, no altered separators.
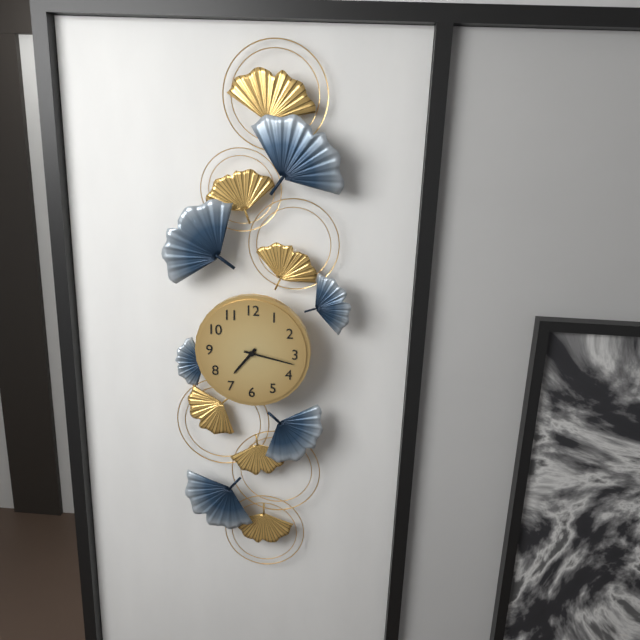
{"hour": 7, "minute": 17}
